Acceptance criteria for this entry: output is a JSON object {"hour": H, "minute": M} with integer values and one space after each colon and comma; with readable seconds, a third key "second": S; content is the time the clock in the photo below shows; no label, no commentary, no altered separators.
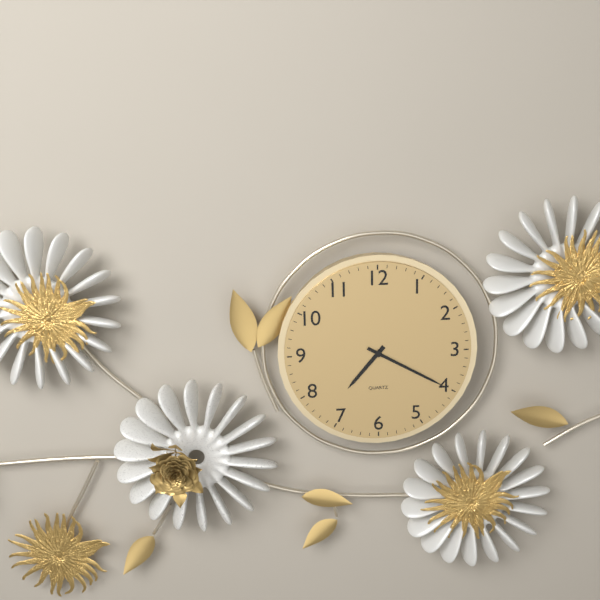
{"hour": 7, "minute": 20}
